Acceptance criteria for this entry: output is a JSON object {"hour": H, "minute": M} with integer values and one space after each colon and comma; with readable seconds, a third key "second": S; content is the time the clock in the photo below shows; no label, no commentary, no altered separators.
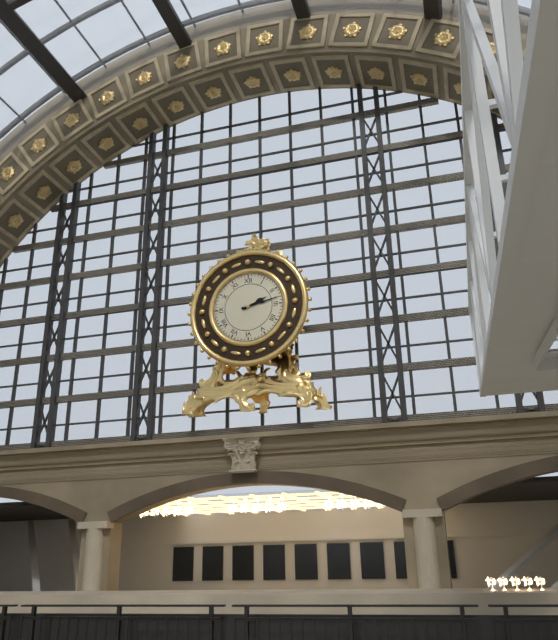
{"hour": 2, "minute": 13}
